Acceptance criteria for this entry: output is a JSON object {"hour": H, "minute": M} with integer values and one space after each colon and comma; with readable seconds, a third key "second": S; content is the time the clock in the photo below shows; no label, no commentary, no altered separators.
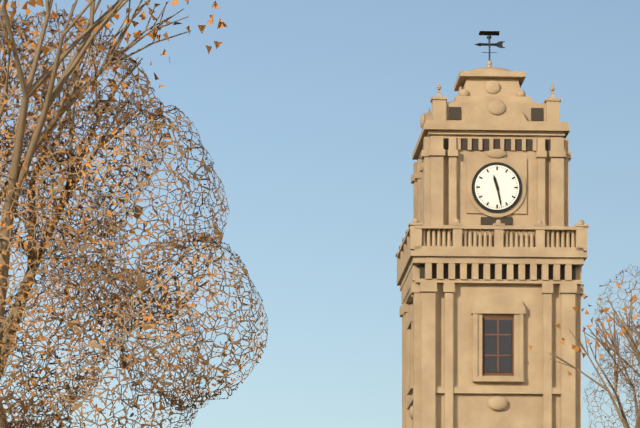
{"hour": 11, "minute": 28}
